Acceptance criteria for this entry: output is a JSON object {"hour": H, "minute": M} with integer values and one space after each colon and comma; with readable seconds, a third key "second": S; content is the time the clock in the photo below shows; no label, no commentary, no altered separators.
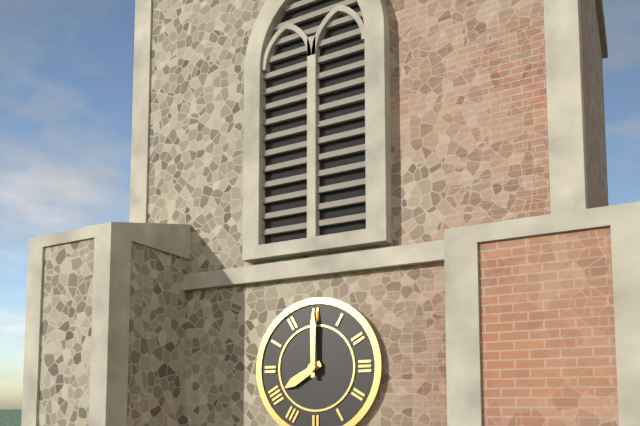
{"hour": 8, "minute": 0}
